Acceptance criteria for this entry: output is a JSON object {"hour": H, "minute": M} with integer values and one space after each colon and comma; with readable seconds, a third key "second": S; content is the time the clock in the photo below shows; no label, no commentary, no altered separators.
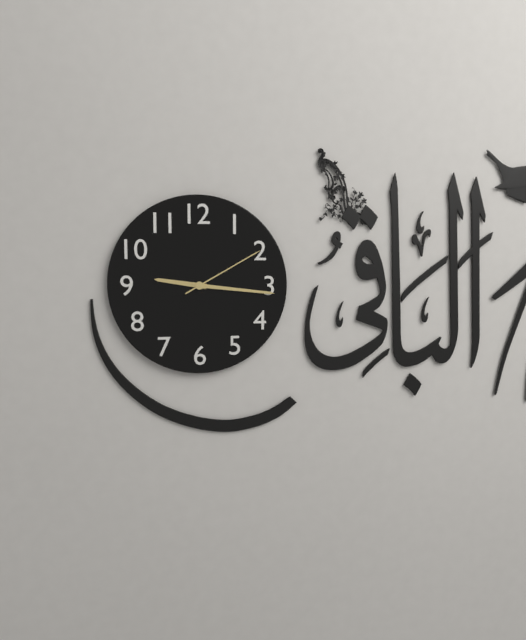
{"hour": 9, "minute": 16, "second": 10}
